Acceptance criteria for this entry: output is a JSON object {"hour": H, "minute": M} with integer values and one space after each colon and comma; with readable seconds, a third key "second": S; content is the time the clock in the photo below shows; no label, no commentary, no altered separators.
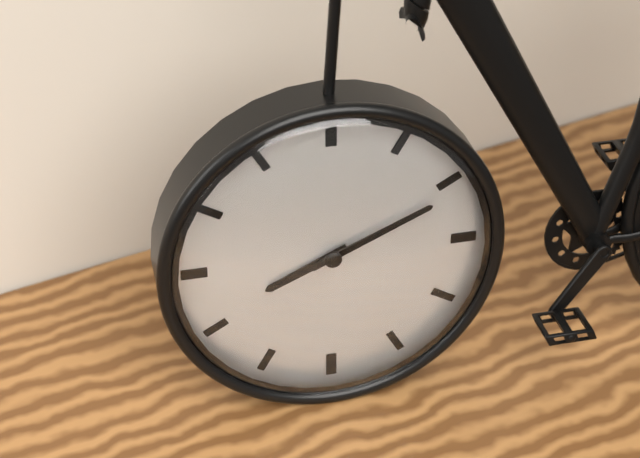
{"hour": 8, "minute": 11}
